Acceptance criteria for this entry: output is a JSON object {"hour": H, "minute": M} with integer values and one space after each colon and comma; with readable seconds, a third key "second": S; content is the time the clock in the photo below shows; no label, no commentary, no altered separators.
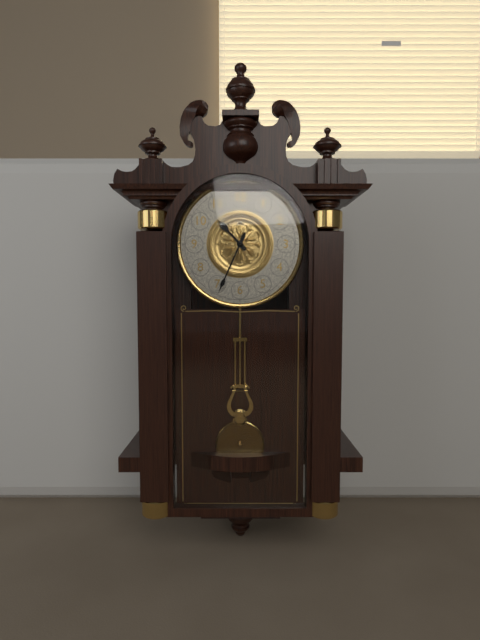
{"hour": 10, "minute": 34}
